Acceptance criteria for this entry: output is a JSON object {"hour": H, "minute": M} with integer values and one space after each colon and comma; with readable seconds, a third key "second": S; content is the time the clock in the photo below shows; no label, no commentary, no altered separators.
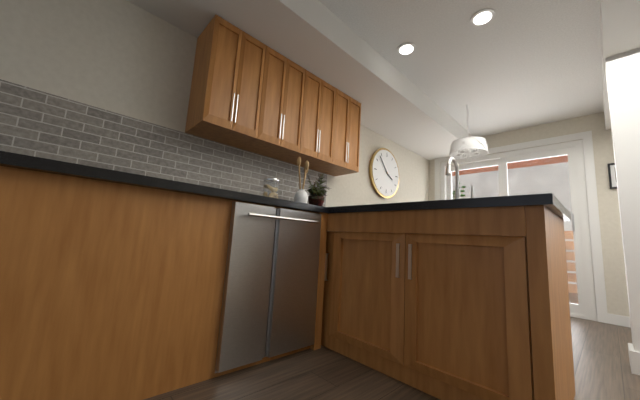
{"hour": 3, "minute": 53}
